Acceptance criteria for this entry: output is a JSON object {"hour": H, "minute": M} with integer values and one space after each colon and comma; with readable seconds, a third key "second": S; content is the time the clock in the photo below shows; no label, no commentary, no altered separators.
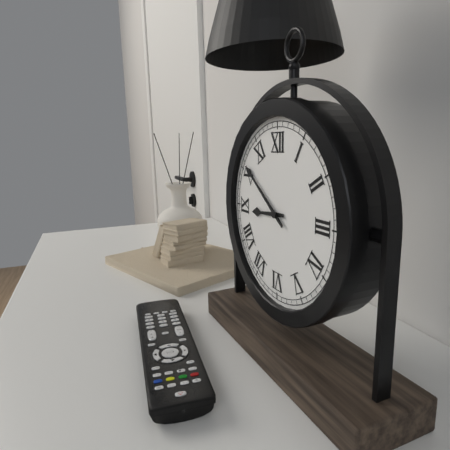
{"hour": 8, "minute": 51}
